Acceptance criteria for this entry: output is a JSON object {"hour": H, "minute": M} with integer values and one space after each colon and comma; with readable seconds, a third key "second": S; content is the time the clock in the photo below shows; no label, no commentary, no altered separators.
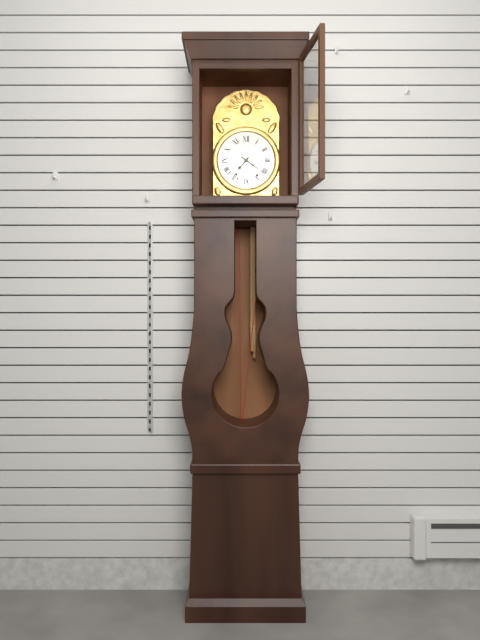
{"hour": 7, "minute": 21}
